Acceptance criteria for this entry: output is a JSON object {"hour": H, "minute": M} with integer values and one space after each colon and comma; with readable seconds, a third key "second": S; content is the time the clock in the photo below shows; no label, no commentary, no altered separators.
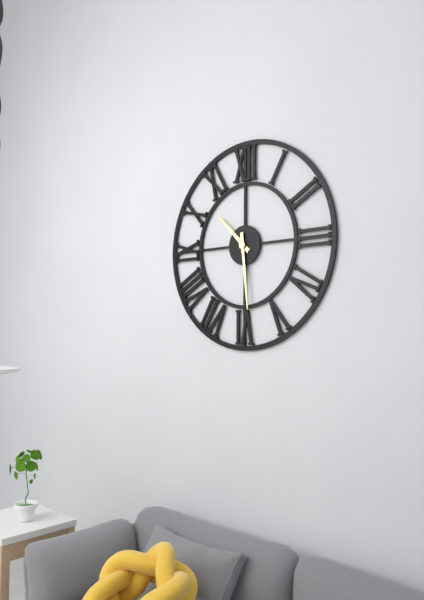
{"hour": 10, "minute": 29}
